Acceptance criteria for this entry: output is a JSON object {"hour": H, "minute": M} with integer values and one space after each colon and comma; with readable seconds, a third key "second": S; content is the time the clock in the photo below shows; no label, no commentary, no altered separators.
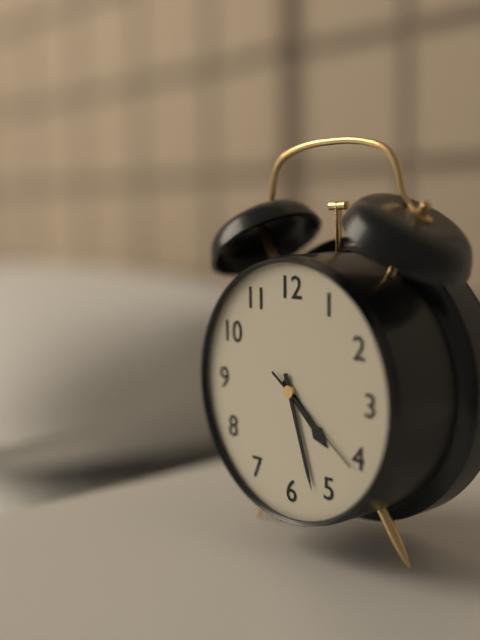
{"hour": 4, "minute": 27, "second": 21}
